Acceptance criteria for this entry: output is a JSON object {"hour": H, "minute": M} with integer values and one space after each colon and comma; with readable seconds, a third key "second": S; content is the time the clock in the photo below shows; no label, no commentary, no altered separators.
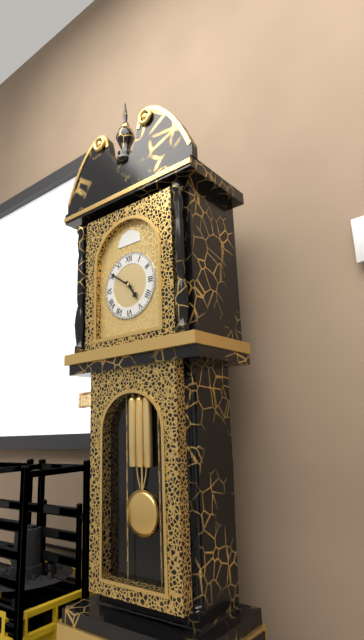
{"hour": 4, "minute": 51}
